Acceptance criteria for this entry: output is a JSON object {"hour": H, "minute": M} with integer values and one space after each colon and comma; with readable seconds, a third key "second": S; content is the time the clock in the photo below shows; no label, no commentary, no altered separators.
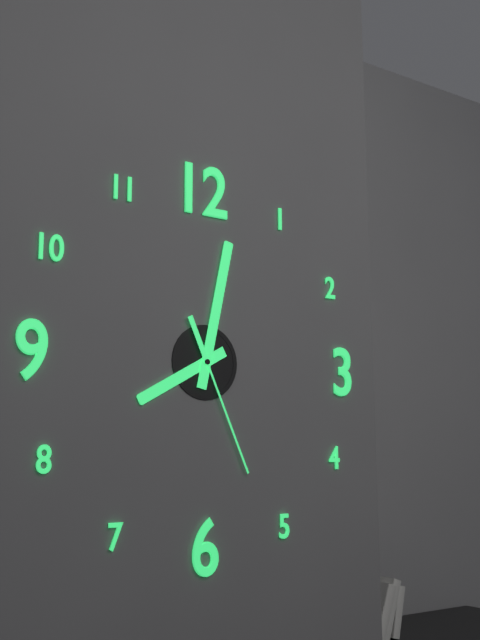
{"hour": 8, "minute": 2, "second": 26}
